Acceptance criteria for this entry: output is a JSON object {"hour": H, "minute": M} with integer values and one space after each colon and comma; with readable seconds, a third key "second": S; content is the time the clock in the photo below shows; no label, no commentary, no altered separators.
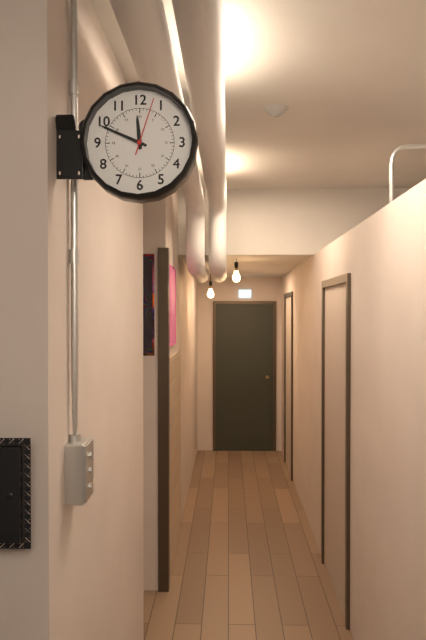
{"hour": 11, "minute": 49, "second": 3}
